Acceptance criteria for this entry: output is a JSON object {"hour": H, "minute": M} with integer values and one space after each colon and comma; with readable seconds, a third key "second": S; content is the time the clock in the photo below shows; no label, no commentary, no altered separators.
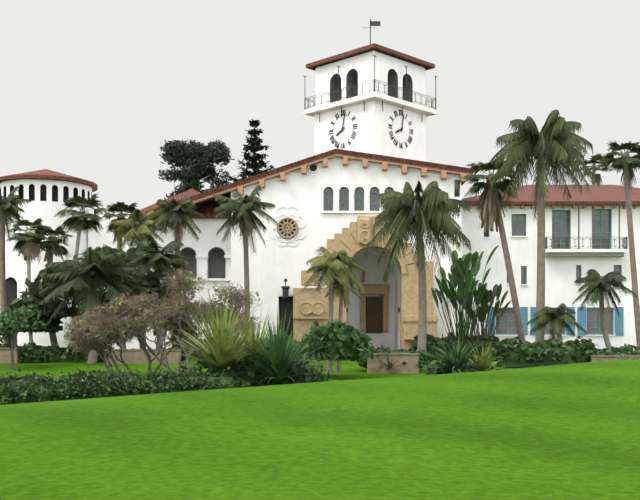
{"hour": 8, "minute": 2}
